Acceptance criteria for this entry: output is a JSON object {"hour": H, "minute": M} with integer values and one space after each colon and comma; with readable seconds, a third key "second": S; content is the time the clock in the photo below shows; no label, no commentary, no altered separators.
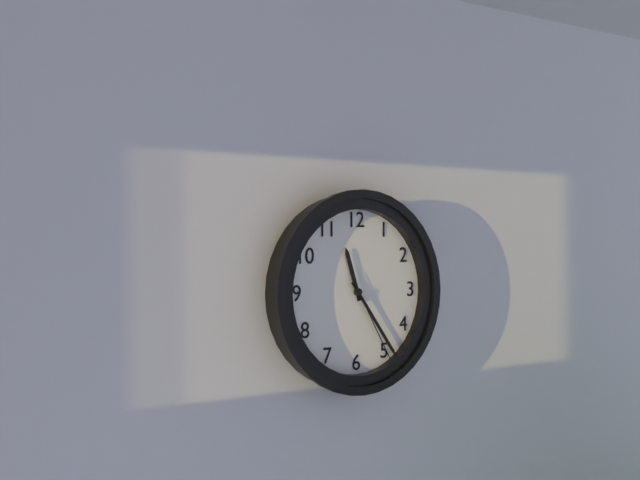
{"hour": 11, "minute": 24, "second": 25}
